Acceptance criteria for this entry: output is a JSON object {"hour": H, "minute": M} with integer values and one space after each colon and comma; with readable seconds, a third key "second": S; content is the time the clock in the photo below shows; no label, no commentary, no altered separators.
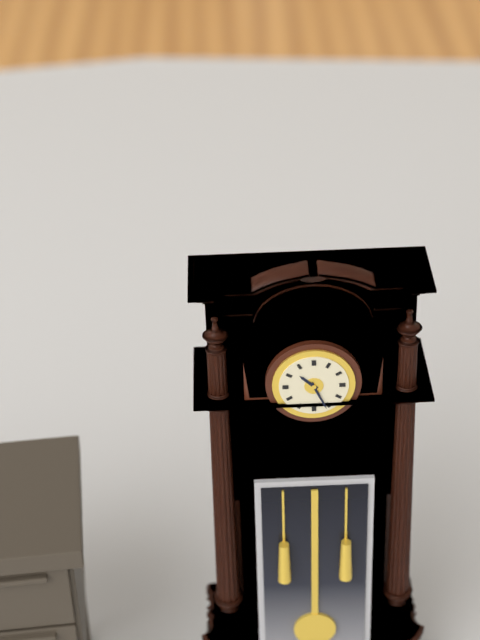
{"hour": 10, "minute": 26}
